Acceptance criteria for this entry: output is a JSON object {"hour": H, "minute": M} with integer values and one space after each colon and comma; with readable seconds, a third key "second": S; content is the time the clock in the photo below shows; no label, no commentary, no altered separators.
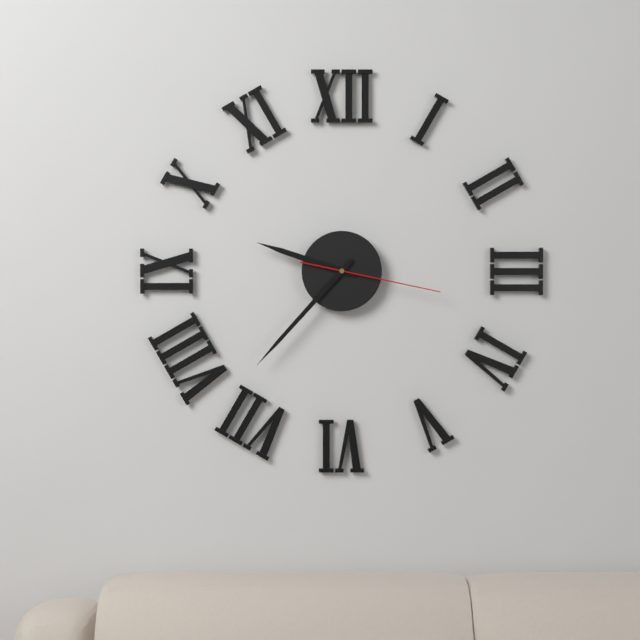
{"hour": 9, "minute": 37, "second": 17}
